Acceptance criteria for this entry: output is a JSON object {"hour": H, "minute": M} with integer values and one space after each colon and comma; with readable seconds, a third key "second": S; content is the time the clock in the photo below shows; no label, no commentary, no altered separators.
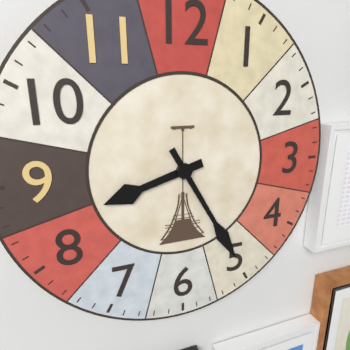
{"hour": 8, "minute": 25}
